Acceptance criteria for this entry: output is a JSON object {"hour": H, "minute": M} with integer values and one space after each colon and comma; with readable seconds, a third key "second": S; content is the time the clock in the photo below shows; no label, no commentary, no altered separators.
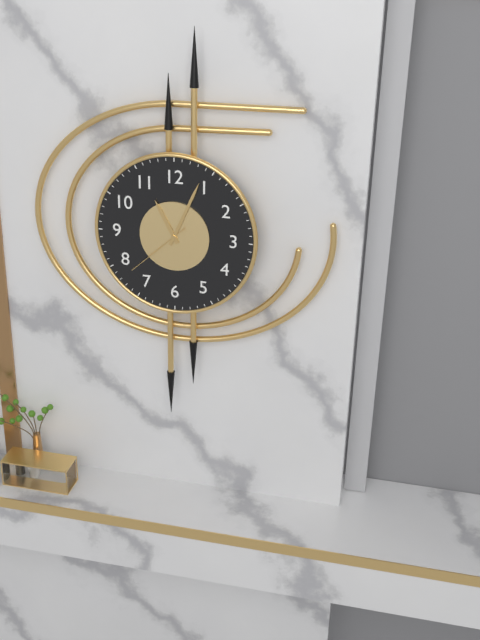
{"hour": 11, "minute": 4, "second": 38}
